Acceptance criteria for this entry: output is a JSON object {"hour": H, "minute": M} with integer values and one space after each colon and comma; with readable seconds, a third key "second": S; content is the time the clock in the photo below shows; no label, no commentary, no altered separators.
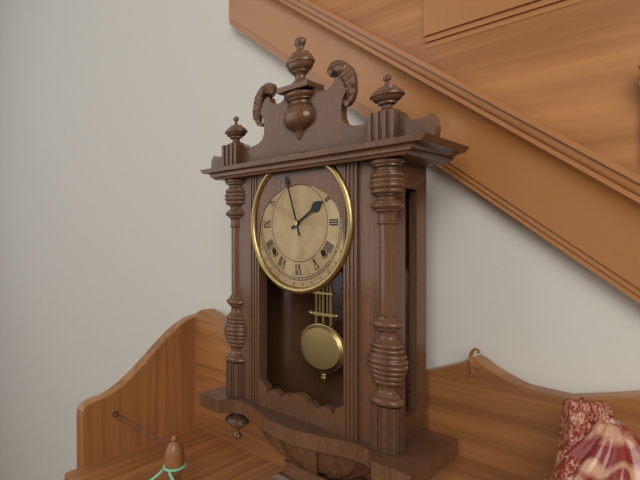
{"hour": 1, "minute": 57}
